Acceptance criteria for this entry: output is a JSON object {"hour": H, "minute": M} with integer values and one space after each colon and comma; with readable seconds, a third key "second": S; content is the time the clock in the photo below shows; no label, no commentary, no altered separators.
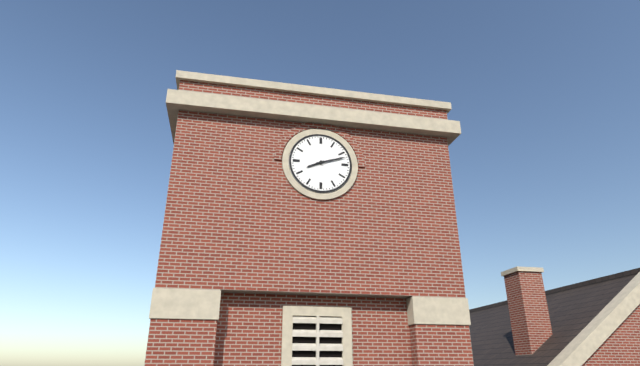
{"hour": 8, "minute": 12}
